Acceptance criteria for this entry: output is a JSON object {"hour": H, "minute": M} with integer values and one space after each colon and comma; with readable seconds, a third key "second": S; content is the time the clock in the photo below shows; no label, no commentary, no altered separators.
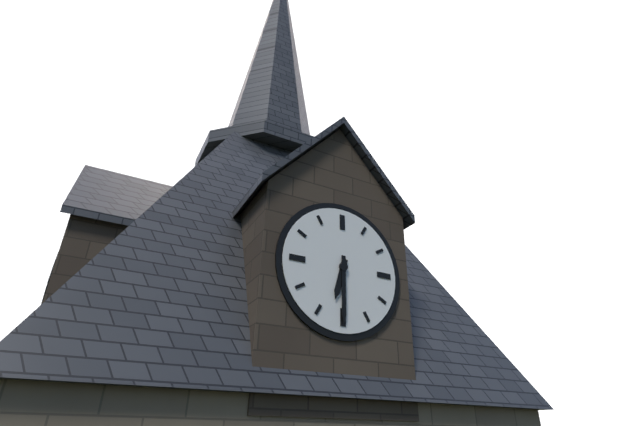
{"hour": 6, "minute": 30}
